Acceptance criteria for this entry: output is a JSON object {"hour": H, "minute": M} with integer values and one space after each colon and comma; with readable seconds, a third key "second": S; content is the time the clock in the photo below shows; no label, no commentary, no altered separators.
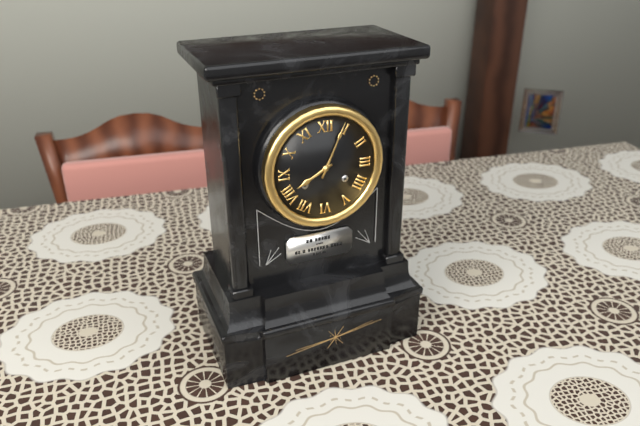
{"hour": 8, "minute": 4}
